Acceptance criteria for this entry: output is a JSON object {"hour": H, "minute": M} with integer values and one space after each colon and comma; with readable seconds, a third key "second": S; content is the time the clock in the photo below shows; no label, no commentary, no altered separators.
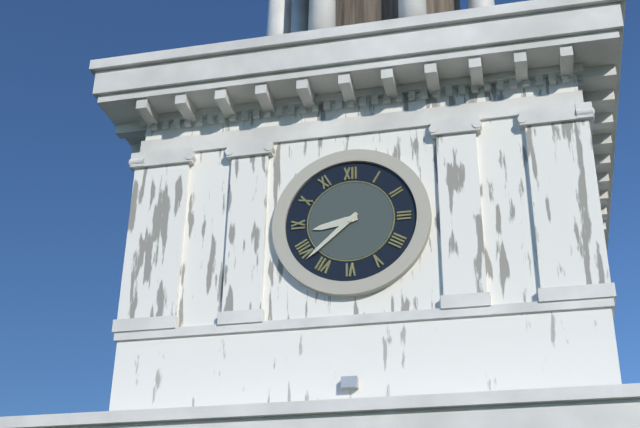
{"hour": 8, "minute": 38}
